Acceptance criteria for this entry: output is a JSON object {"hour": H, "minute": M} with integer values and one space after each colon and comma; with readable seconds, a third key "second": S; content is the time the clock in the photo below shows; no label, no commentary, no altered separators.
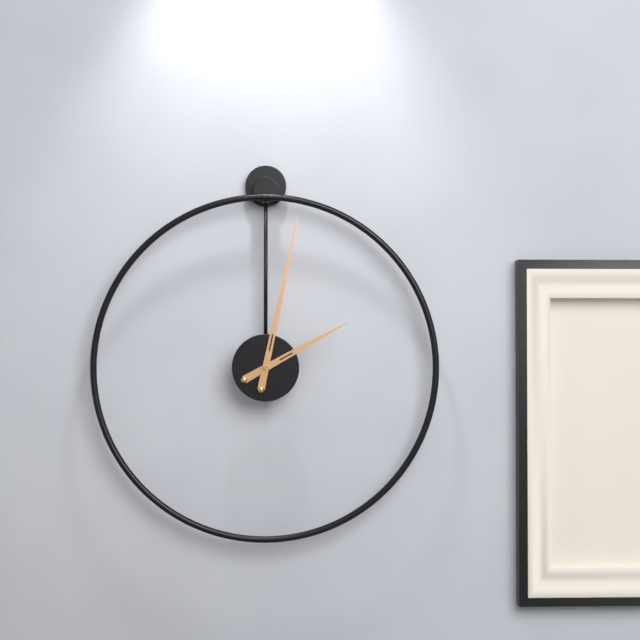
{"hour": 2, "minute": 2}
